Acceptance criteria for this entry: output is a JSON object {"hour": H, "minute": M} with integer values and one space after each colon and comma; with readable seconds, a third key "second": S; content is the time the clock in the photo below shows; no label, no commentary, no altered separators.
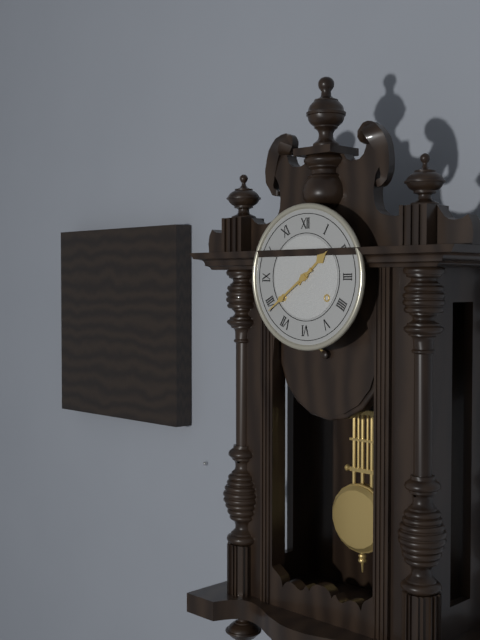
{"hour": 1, "minute": 39}
